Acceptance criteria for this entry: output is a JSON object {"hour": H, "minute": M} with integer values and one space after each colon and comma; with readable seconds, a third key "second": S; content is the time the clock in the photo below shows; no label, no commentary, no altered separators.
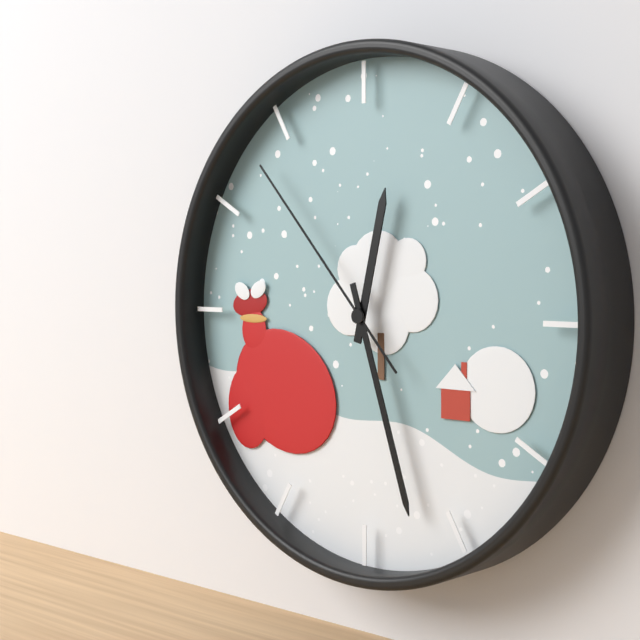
{"hour": 12, "minute": 27, "second": 53}
